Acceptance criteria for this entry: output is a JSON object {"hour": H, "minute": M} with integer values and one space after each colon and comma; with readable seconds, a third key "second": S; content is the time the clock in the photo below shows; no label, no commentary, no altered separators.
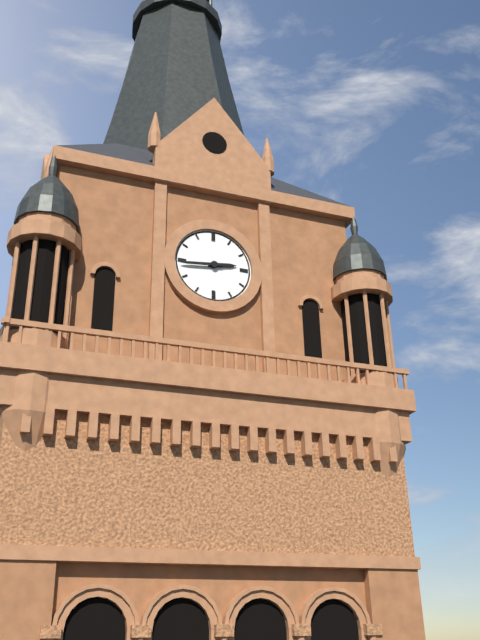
{"hour": 2, "minute": 44}
